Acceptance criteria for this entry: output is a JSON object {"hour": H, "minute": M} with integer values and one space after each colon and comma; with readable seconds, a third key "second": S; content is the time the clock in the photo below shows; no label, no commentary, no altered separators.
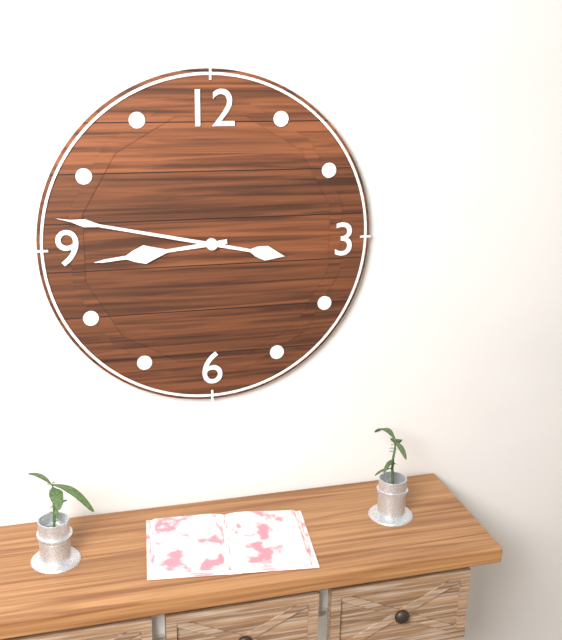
{"hour": 8, "minute": 47}
